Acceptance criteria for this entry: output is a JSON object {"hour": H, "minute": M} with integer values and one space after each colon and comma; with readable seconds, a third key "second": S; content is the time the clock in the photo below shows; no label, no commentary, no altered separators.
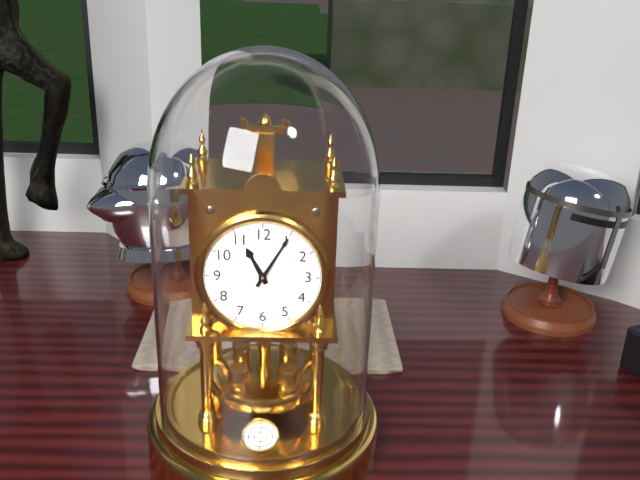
{"hour": 11, "minute": 5}
